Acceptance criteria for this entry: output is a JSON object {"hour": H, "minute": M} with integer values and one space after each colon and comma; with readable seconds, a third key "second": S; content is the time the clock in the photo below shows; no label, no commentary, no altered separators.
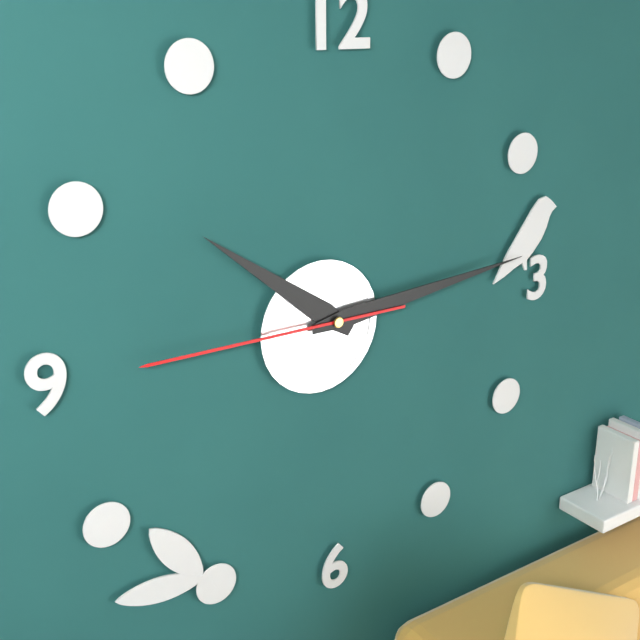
{"hour": 10, "minute": 14, "second": 45}
